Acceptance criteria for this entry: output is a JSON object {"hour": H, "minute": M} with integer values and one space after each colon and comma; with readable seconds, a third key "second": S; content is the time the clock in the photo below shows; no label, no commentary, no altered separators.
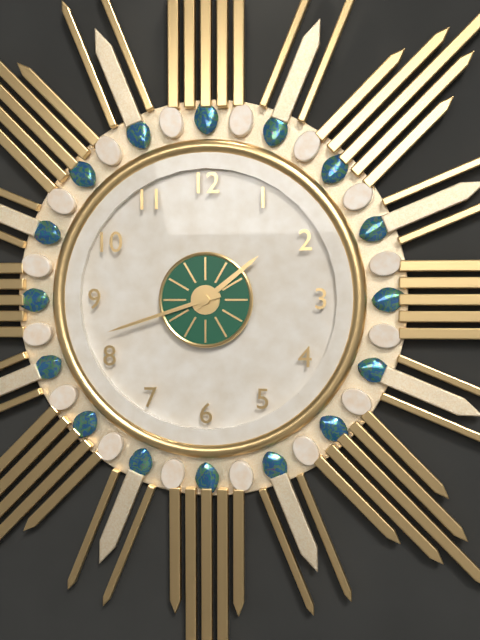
{"hour": 1, "minute": 42}
